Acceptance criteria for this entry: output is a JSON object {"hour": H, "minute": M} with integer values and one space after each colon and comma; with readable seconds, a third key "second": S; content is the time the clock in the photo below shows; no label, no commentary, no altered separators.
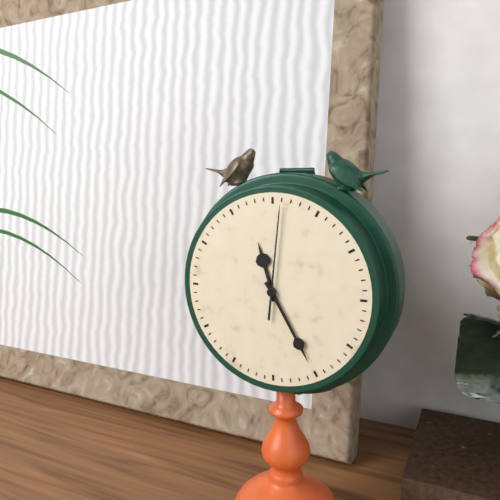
{"hour": 11, "minute": 25, "second": 1}
